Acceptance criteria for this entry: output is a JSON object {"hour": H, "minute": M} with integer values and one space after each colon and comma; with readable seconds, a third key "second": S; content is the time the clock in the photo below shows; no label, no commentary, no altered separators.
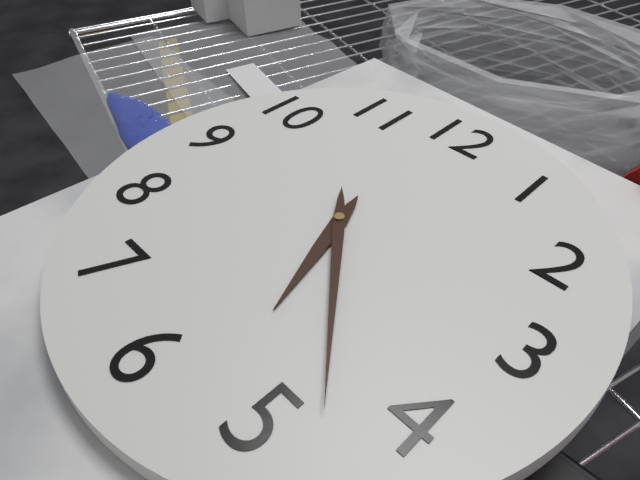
{"hour": 5, "minute": 23}
